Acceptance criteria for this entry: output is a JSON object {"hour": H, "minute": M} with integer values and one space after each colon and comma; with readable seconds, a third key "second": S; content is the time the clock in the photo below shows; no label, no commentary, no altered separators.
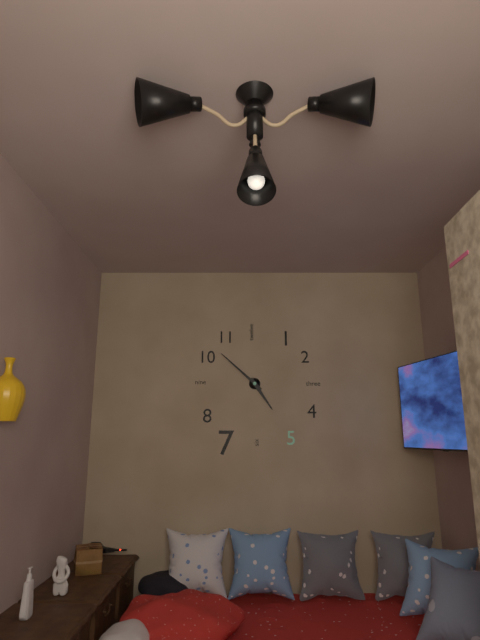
{"hour": 4, "minute": 52}
